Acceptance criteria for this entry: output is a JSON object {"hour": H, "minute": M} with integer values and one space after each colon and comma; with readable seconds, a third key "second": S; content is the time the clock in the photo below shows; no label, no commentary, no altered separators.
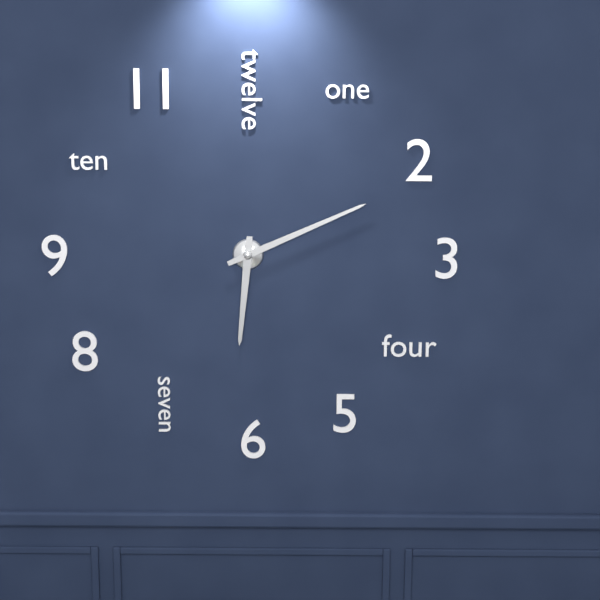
{"hour": 6, "minute": 11}
